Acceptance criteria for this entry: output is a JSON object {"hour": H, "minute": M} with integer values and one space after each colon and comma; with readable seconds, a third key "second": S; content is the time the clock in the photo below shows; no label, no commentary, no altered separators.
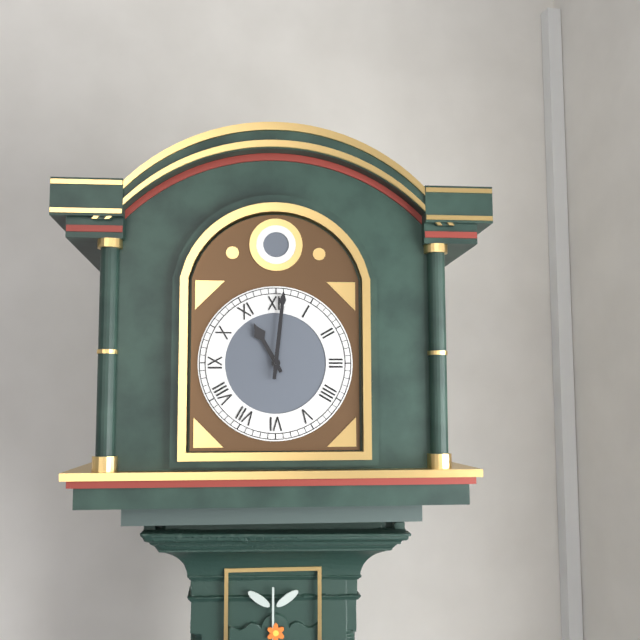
{"hour": 11, "minute": 1}
